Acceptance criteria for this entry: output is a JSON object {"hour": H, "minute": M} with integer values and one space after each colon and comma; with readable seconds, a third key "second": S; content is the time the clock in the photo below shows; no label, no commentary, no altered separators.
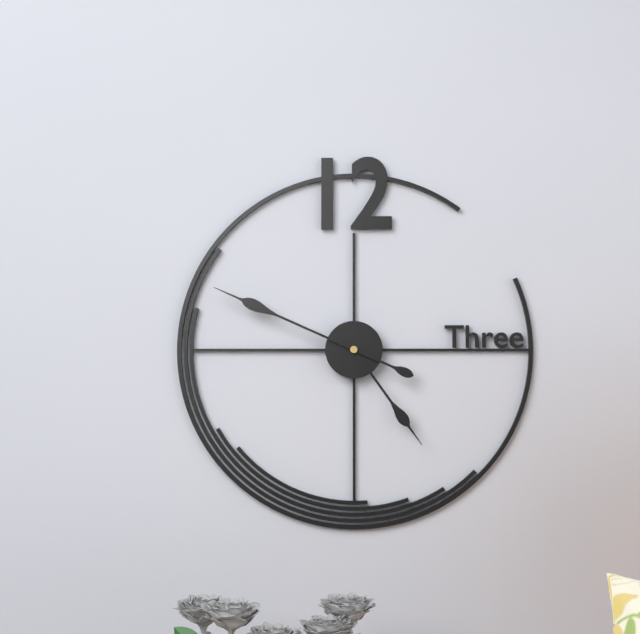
{"hour": 4, "minute": 49}
